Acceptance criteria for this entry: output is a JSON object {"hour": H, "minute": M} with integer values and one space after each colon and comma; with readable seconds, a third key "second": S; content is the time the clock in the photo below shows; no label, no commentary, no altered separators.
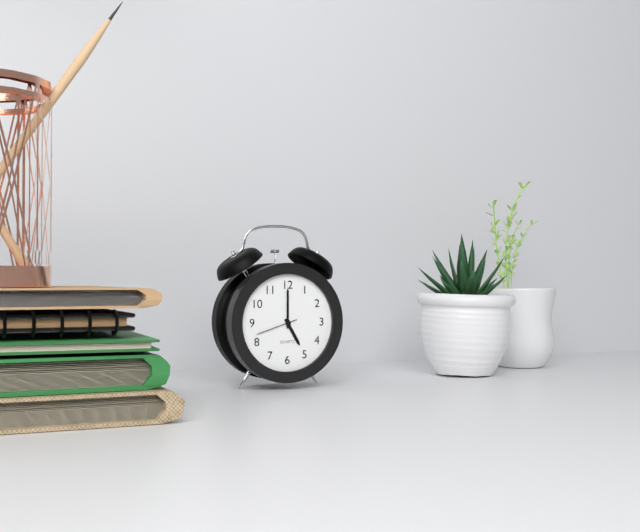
{"hour": 5, "minute": 0}
